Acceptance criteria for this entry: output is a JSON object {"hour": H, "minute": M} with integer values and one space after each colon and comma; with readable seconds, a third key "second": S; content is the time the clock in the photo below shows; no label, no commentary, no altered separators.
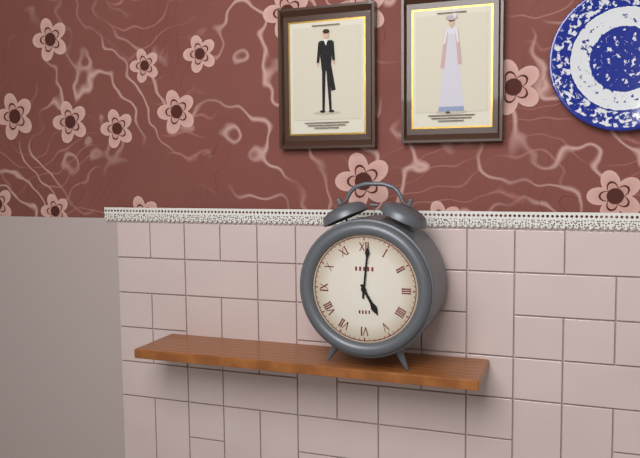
{"hour": 5, "minute": 1}
